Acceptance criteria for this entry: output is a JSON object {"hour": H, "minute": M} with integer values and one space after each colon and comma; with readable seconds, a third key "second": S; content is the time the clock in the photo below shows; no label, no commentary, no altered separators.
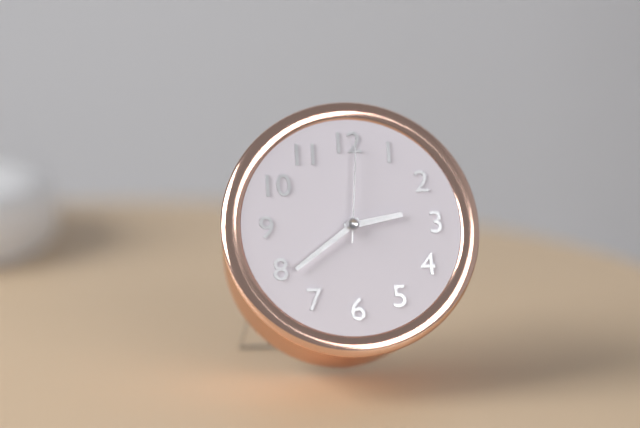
{"hour": 2, "minute": 39, "second": 1}
